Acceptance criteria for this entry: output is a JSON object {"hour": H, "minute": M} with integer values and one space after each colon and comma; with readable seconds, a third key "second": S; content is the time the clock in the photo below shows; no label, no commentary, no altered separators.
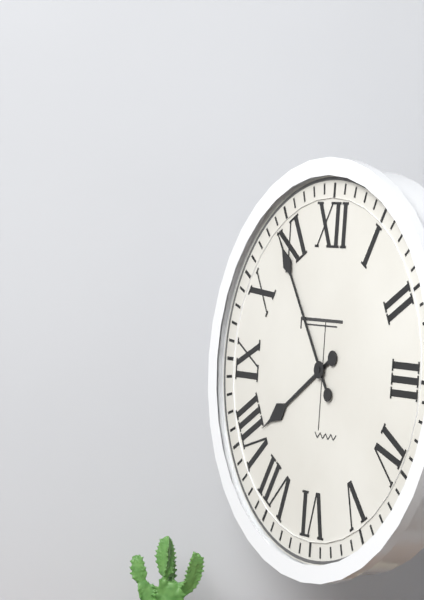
{"hour": 7, "minute": 54}
